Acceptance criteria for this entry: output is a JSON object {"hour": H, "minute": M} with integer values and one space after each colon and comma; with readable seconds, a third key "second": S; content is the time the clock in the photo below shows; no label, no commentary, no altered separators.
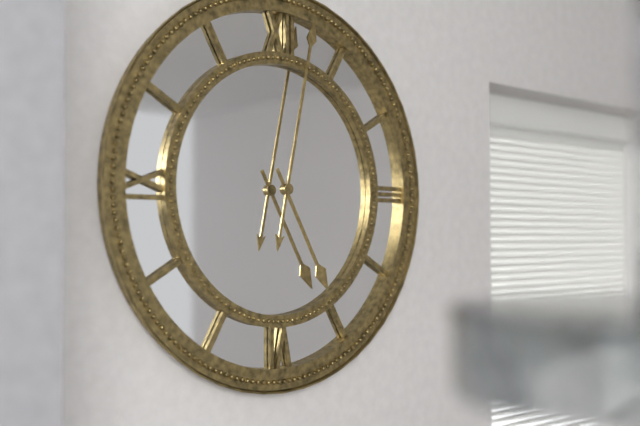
{"hour": 5, "minute": 2}
